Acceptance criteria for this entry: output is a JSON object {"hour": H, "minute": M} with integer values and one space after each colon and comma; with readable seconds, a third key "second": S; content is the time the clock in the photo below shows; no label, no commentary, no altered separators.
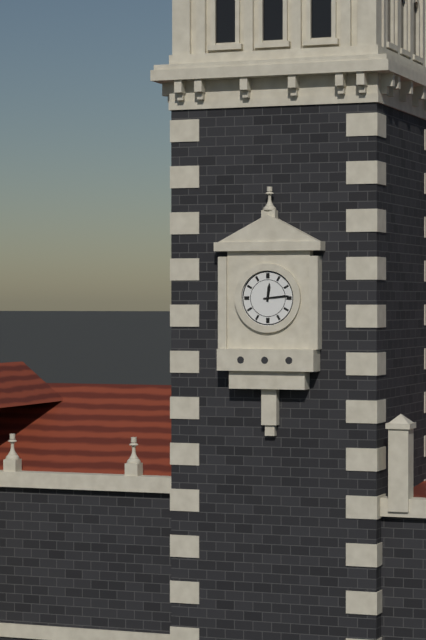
{"hour": 12, "minute": 14}
